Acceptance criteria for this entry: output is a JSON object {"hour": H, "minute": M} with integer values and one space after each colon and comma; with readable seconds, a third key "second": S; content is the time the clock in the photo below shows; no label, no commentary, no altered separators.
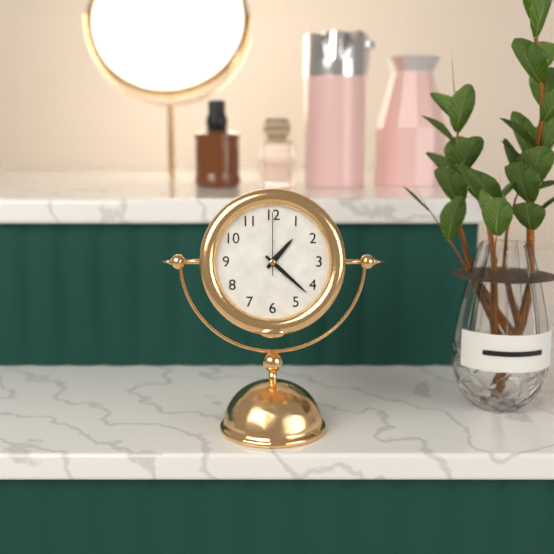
{"hour": 1, "minute": 22, "second": 0}
